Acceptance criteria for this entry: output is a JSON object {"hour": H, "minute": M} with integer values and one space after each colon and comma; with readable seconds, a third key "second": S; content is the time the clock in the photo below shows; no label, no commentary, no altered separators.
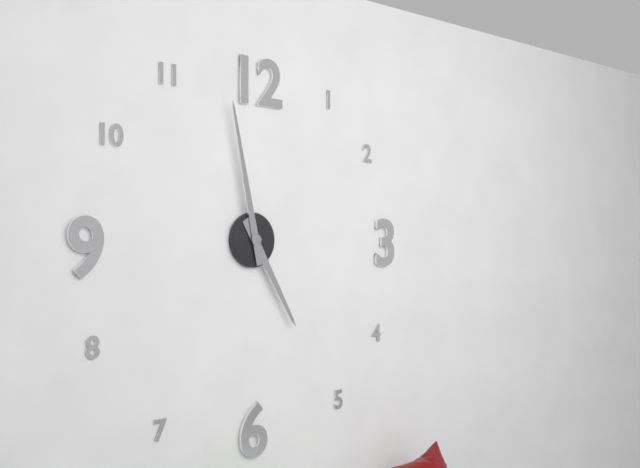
{"hour": 4, "minute": 58}
